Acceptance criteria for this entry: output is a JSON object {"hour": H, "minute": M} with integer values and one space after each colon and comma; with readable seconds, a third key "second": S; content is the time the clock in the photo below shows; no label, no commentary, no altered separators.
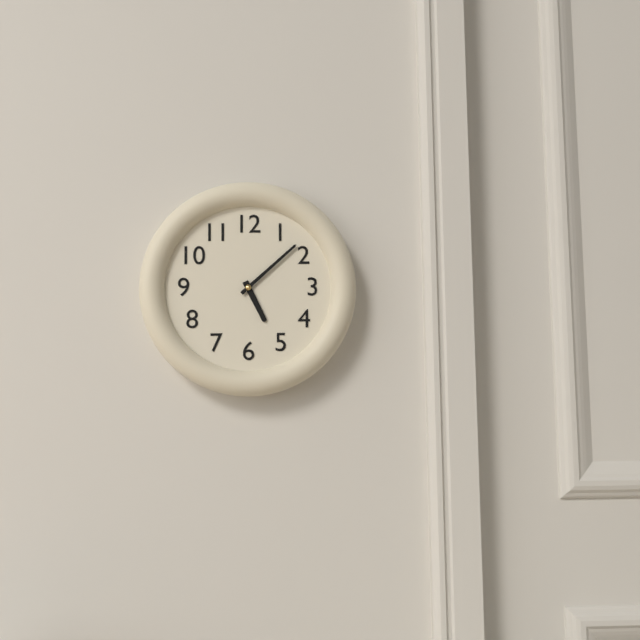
{"hour": 5, "minute": 8}
